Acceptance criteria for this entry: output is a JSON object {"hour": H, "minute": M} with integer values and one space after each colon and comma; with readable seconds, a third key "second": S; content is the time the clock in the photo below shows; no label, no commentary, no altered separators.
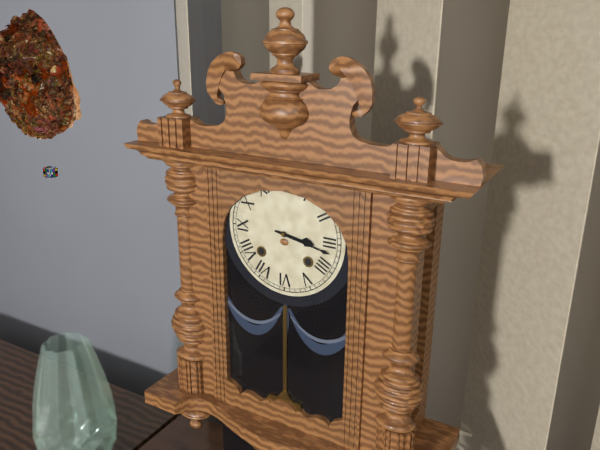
{"hour": 3, "minute": 17}
